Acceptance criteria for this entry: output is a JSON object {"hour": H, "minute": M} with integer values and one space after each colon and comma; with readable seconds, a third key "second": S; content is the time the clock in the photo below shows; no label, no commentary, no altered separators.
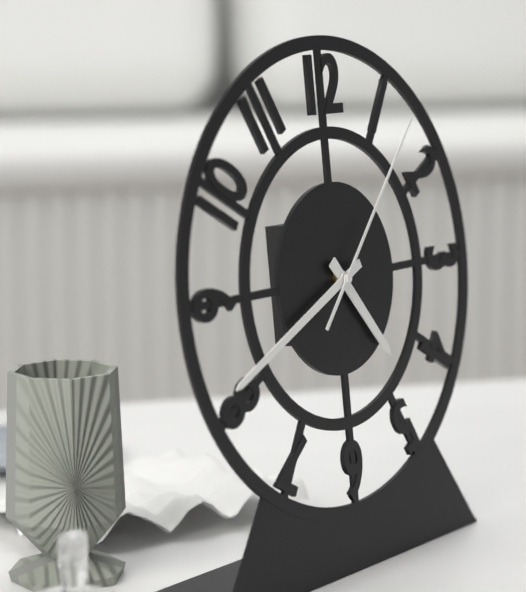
{"hour": 4, "minute": 41, "second": 7}
